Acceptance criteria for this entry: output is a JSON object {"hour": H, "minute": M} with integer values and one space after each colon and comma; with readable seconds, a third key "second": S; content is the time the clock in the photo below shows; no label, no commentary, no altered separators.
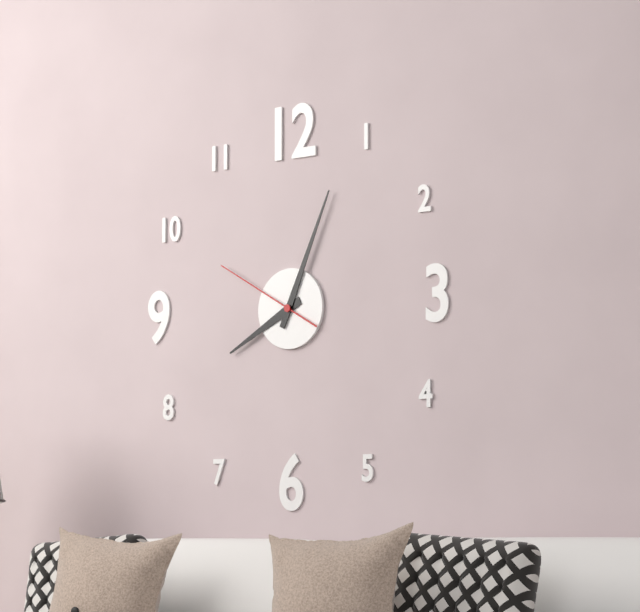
{"hour": 8, "minute": 4, "second": 50}
